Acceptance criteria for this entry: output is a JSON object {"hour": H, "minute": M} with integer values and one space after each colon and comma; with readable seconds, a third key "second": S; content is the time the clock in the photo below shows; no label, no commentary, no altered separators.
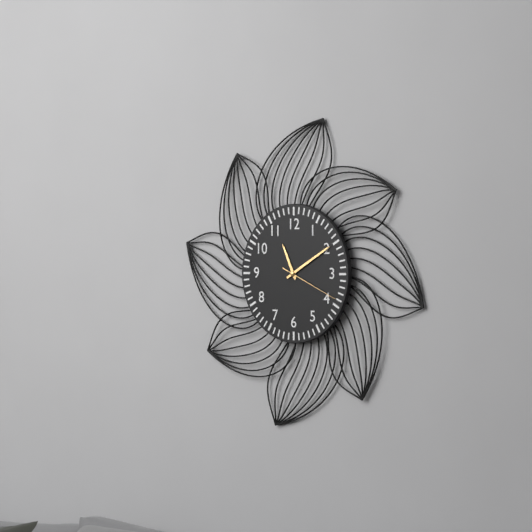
{"hour": 11, "minute": 10, "second": 19}
